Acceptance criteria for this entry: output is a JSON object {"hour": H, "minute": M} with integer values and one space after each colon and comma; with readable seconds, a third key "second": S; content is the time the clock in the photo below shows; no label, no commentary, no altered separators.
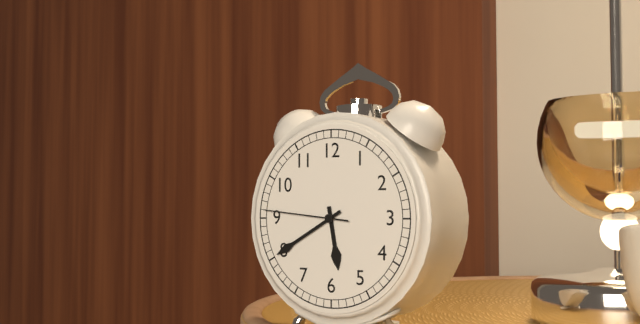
{"hour": 5, "minute": 40, "second": 46}
